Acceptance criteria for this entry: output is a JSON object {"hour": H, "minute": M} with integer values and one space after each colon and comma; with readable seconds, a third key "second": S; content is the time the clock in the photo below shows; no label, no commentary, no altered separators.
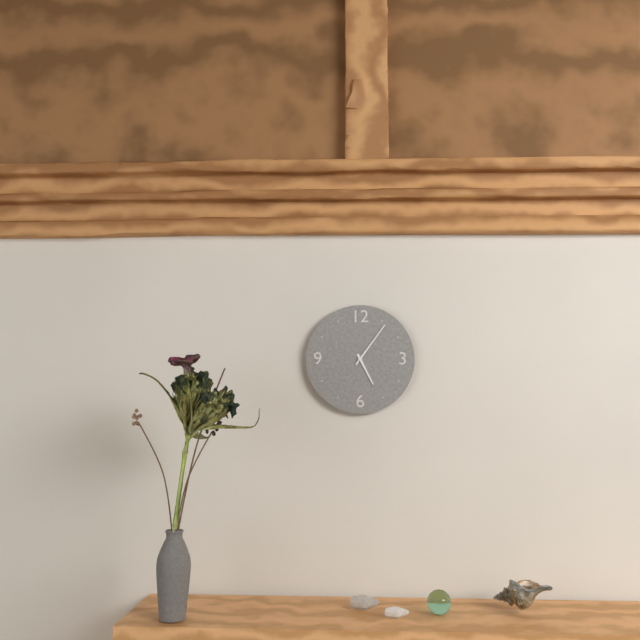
{"hour": 5, "minute": 6}
